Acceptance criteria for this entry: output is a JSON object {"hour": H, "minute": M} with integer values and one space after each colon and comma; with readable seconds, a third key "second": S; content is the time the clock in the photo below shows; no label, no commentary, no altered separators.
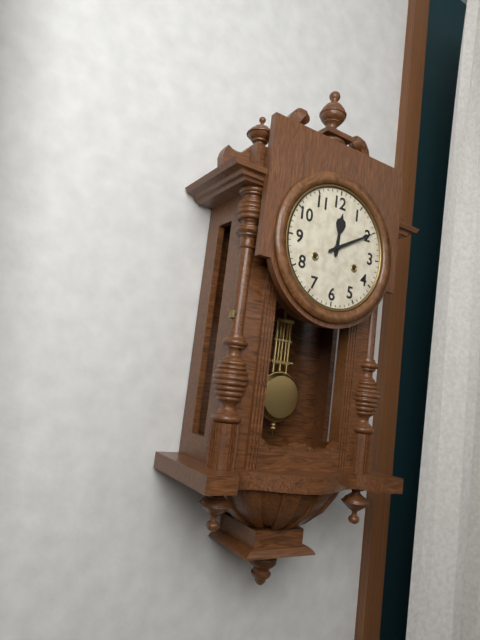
{"hour": 12, "minute": 10}
